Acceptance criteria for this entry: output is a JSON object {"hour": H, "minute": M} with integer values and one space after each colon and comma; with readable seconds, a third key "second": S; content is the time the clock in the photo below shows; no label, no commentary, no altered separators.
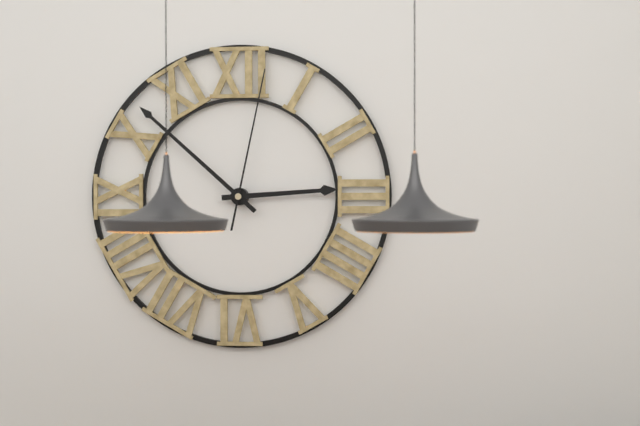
{"hour": 2, "minute": 52, "second": 2}
